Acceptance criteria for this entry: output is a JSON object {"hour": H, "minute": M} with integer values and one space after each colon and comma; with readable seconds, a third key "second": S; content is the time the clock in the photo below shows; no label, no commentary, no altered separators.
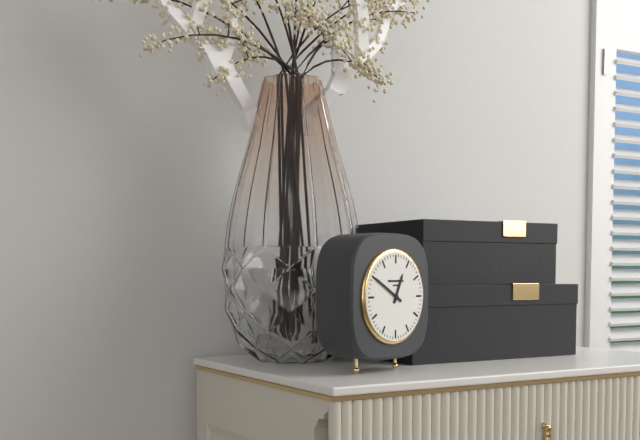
{"hour": 12, "minute": 50}
